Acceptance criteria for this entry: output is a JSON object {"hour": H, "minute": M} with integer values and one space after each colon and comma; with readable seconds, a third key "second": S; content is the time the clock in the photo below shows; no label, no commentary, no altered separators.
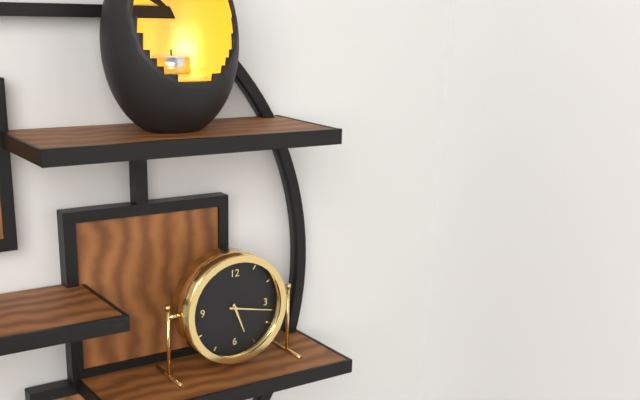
{"hour": 5, "minute": 17}
